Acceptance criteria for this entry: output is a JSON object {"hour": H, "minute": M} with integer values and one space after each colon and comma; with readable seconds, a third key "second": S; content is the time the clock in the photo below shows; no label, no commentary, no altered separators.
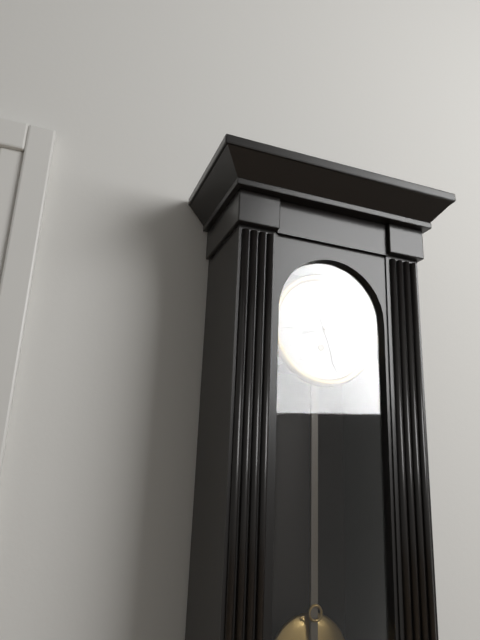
{"hour": 8, "minute": 27}
